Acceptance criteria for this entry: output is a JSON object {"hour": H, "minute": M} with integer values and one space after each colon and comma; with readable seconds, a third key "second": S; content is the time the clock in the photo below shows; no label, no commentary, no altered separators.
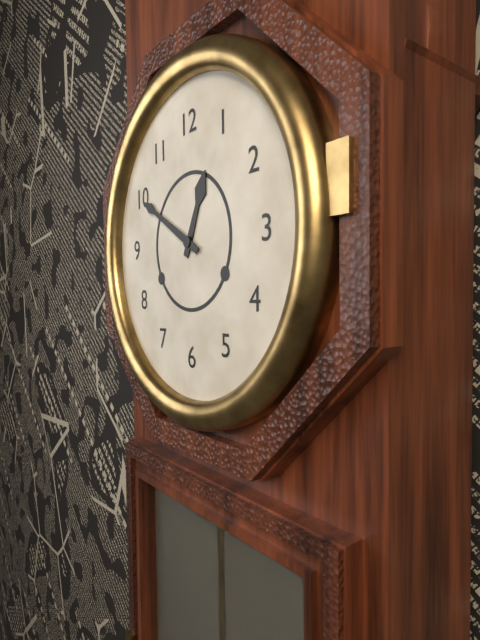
{"hour": 12, "minute": 50}
